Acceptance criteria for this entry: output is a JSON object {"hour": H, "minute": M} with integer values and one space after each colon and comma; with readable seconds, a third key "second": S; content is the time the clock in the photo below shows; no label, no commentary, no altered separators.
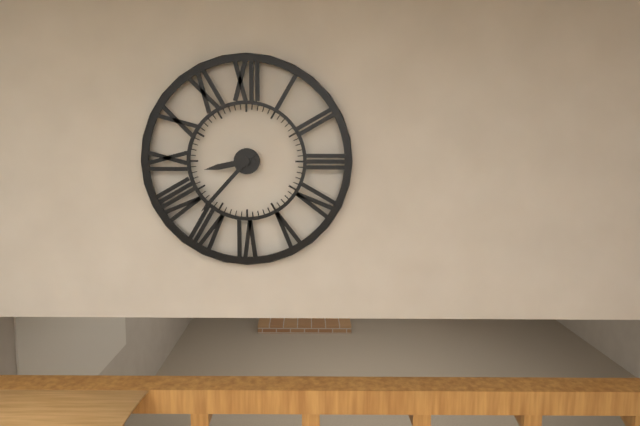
{"hour": 8, "minute": 37}
